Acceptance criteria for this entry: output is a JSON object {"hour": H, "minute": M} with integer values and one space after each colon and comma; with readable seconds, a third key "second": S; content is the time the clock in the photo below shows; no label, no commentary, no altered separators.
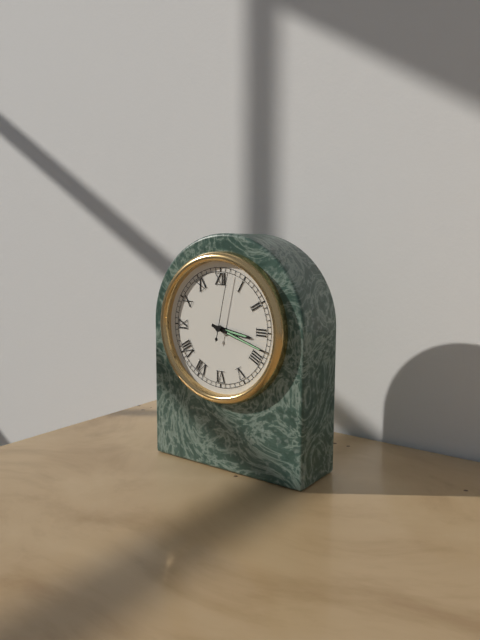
{"hour": 3, "minute": 18, "second": 2}
